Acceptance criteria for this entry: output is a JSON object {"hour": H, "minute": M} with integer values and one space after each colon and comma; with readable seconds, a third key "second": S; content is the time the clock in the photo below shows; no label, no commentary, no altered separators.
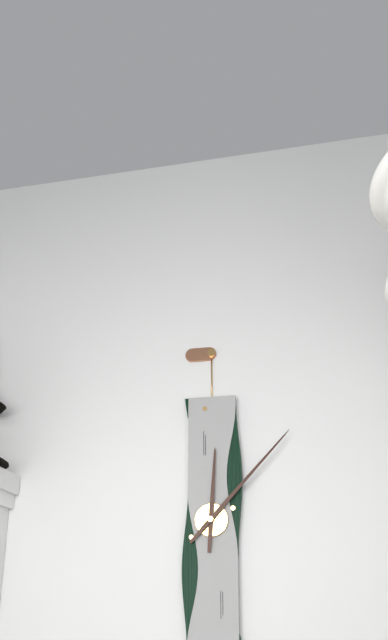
{"hour": 12, "minute": 7}
